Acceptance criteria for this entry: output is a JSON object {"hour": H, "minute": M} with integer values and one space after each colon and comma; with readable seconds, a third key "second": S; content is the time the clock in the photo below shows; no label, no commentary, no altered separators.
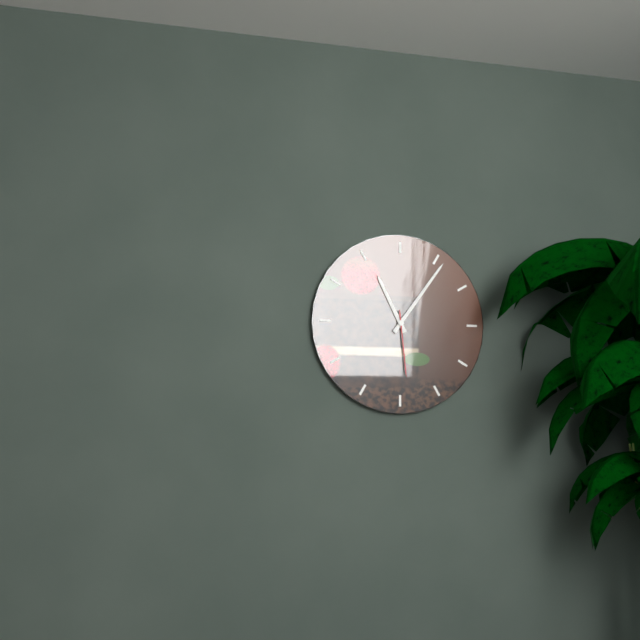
{"hour": 11, "minute": 6, "second": 29}
